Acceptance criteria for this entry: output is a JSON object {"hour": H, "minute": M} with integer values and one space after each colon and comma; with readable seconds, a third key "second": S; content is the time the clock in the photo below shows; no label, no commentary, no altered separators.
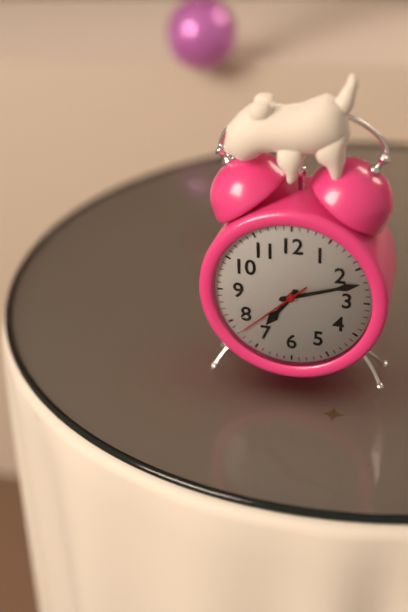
{"hour": 7, "minute": 12, "second": 38}
